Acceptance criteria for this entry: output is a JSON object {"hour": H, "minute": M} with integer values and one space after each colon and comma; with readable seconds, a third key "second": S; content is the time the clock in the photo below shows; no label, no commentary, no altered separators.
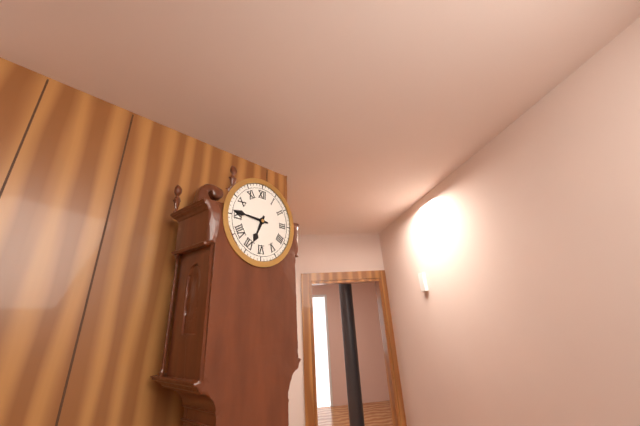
{"hour": 6, "minute": 46}
